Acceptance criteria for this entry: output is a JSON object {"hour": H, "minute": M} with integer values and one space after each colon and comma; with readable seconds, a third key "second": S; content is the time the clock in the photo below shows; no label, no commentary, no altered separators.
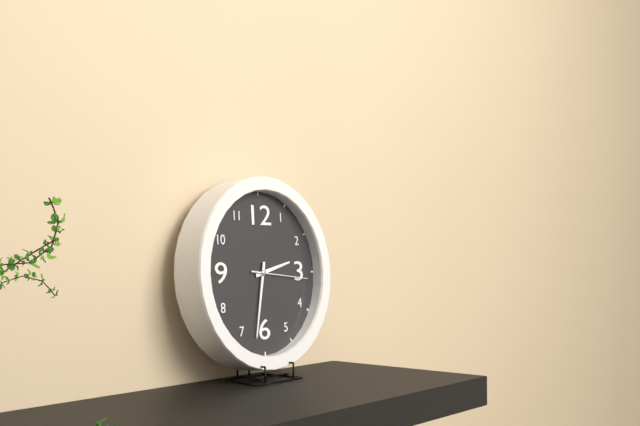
{"hour": 2, "minute": 32, "second": 16}
